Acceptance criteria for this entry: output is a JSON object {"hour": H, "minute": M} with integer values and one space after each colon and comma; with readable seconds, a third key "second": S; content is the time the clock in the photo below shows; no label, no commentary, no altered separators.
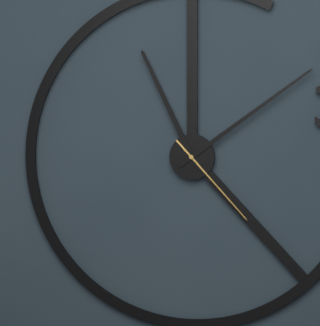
{"hour": 11, "minute": 9, "second": 23}
